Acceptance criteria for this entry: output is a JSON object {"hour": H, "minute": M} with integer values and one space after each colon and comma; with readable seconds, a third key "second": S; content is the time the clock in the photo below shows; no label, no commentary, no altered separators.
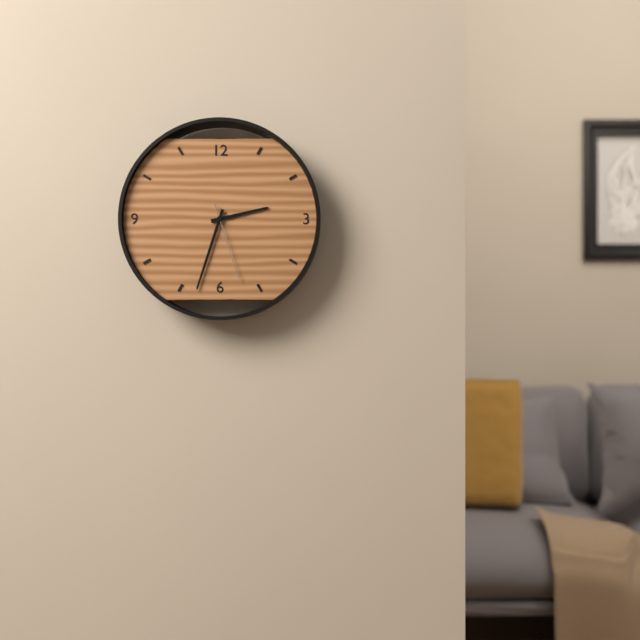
{"hour": 2, "minute": 33, "second": 27}
